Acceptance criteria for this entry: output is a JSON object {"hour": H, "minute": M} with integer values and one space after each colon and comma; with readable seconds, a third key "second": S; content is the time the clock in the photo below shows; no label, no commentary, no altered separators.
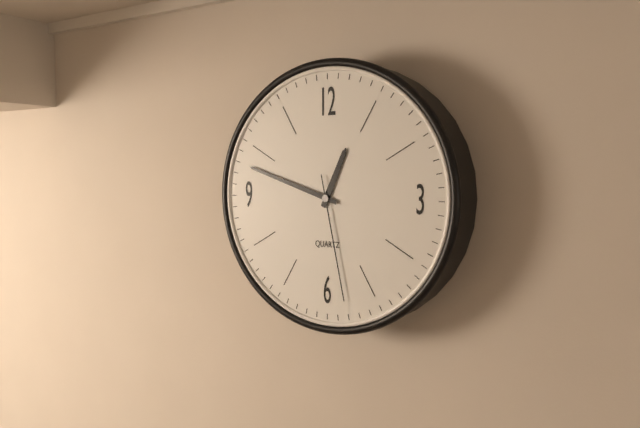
{"hour": 12, "minute": 48, "second": 28}
